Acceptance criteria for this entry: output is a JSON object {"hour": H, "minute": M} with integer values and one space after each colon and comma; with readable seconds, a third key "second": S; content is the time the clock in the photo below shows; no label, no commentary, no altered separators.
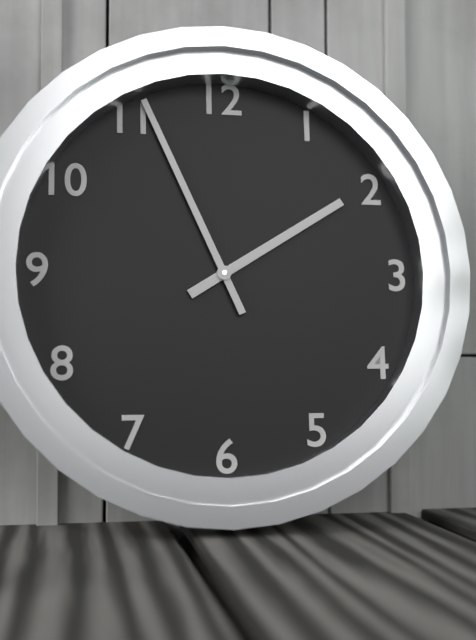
{"hour": 1, "minute": 56}
